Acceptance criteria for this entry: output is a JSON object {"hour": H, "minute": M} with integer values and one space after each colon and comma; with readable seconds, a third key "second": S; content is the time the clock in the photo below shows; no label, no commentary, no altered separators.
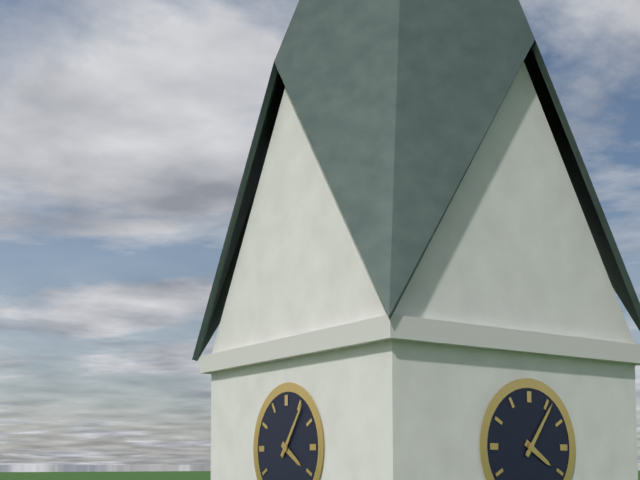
{"hour": 4, "minute": 6}
